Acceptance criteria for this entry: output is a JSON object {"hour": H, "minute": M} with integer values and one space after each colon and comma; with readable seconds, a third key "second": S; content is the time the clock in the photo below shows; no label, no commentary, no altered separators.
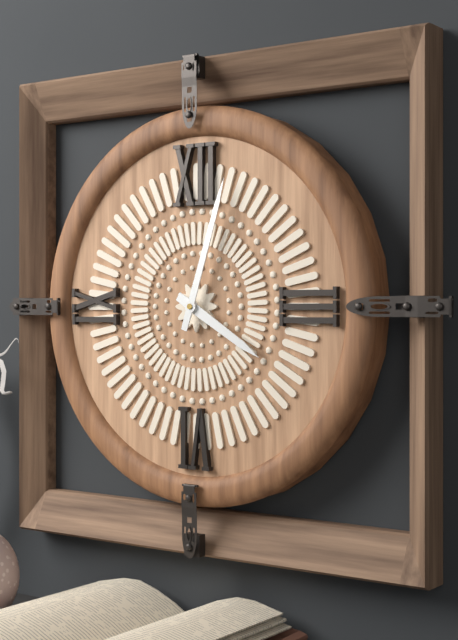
{"hour": 4, "minute": 3}
